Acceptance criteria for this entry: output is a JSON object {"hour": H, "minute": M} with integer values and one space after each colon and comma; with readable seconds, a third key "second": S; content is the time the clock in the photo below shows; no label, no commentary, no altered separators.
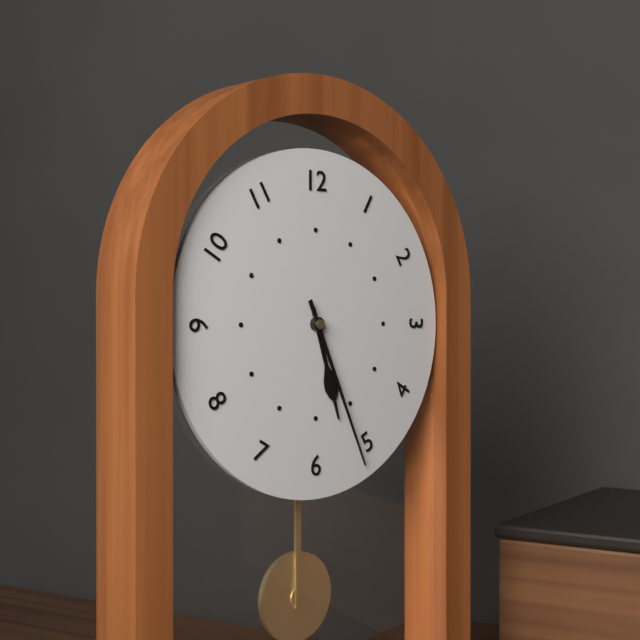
{"hour": 5, "minute": 26}
